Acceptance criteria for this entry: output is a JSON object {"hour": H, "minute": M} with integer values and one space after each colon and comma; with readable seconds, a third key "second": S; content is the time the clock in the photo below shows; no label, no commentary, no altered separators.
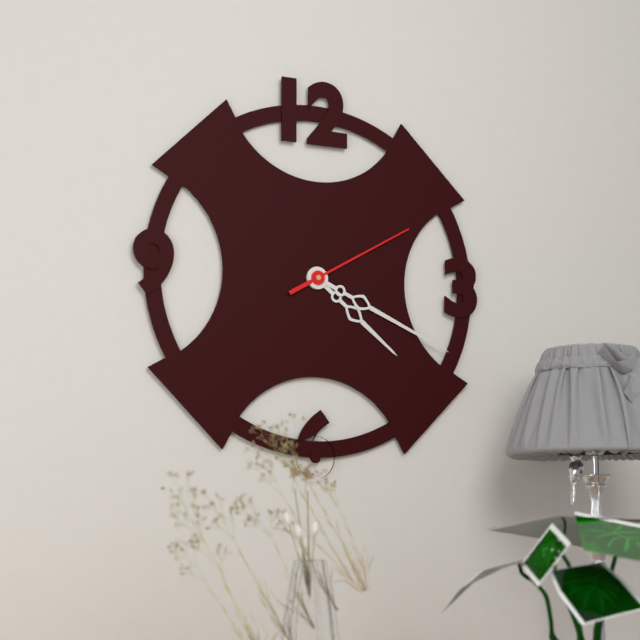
{"hour": 4, "minute": 19, "second": 10}
